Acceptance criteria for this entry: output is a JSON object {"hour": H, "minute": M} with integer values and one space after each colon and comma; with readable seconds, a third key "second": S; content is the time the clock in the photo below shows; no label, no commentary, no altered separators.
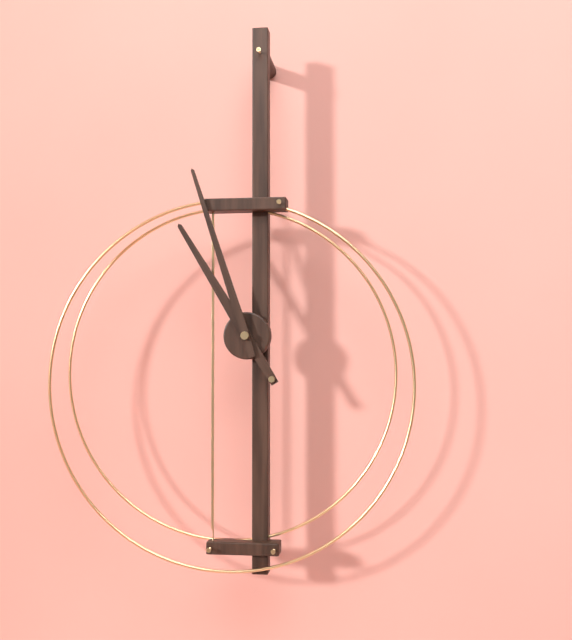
{"hour": 10, "minute": 57}
